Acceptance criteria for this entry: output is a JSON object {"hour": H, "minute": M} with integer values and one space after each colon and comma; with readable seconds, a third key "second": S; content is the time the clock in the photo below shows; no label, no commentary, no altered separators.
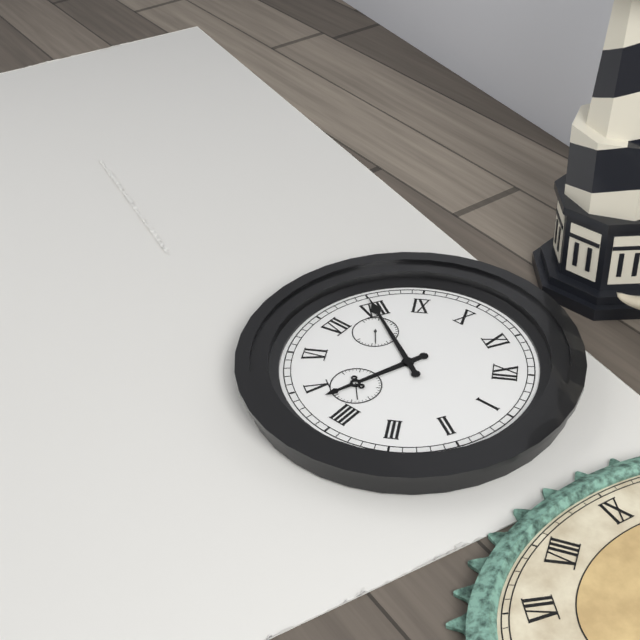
{"hour": 4, "minute": 40}
